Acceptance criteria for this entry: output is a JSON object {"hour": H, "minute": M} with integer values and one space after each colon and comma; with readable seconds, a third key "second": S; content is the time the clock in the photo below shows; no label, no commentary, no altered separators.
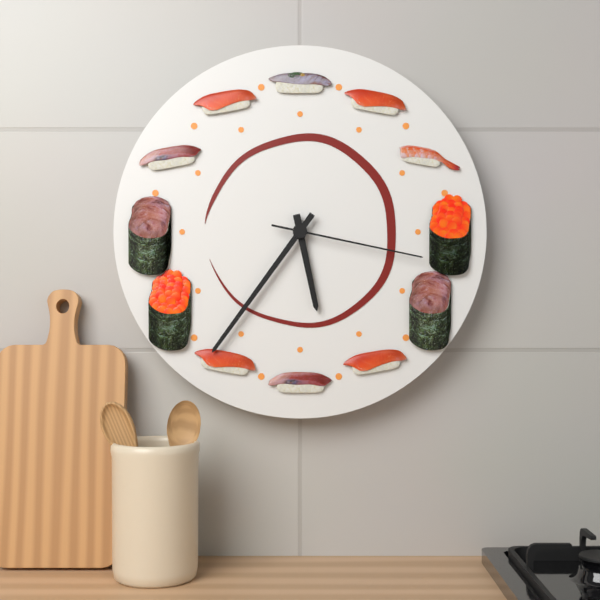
{"hour": 5, "minute": 36, "second": 17}
